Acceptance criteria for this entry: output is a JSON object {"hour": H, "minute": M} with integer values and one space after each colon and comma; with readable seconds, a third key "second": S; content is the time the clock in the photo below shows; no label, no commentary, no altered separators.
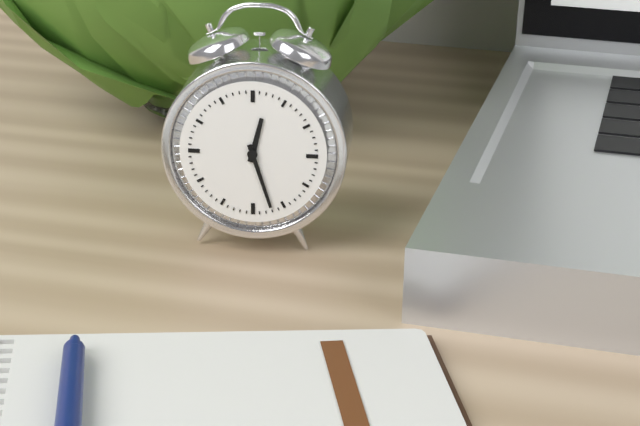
{"hour": 12, "minute": 27}
